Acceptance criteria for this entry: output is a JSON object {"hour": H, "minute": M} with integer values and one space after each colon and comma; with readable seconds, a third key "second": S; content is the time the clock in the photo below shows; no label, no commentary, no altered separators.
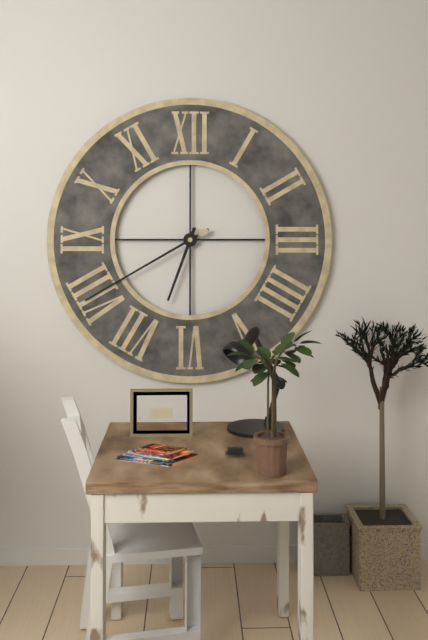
{"hour": 6, "minute": 40}
